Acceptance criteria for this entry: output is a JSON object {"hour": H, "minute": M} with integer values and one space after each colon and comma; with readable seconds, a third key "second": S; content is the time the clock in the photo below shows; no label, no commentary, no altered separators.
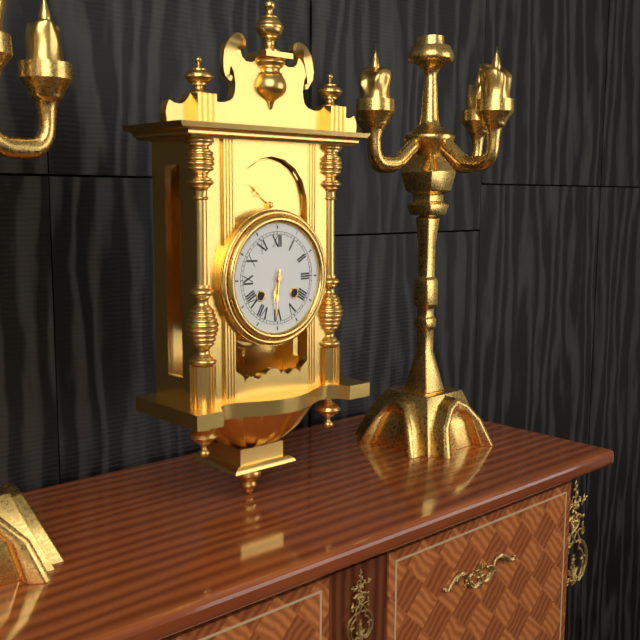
{"hour": 6, "minute": 31}
